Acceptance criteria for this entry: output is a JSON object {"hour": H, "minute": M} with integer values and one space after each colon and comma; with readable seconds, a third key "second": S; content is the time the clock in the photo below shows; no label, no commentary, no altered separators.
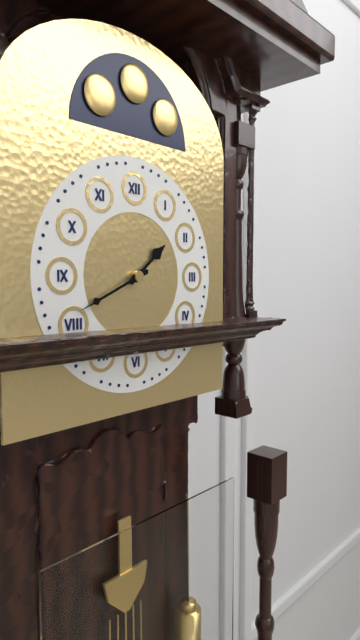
{"hour": 1, "minute": 41}
